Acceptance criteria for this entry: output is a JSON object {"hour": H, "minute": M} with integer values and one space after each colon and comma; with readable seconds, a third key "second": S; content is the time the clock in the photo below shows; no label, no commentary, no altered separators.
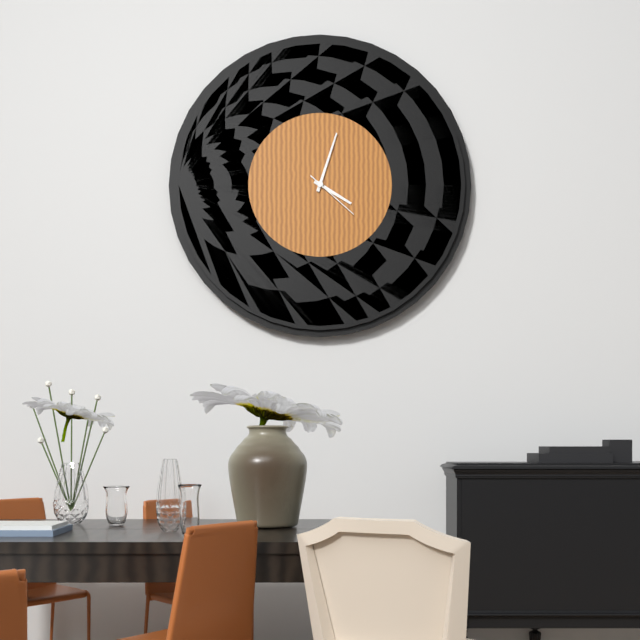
{"hour": 4, "minute": 3, "second": 22}
